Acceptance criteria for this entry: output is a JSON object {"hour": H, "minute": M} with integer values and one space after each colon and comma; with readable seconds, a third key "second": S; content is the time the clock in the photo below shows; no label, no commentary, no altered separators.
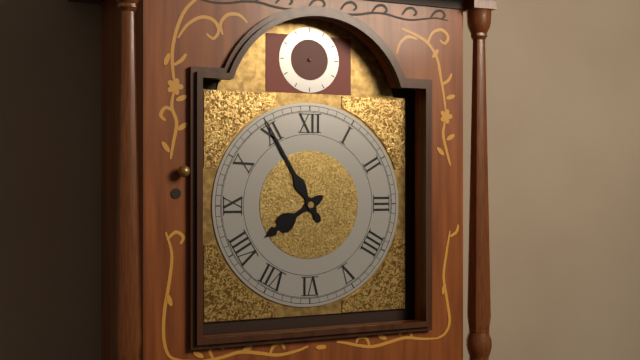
{"hour": 7, "minute": 55}
